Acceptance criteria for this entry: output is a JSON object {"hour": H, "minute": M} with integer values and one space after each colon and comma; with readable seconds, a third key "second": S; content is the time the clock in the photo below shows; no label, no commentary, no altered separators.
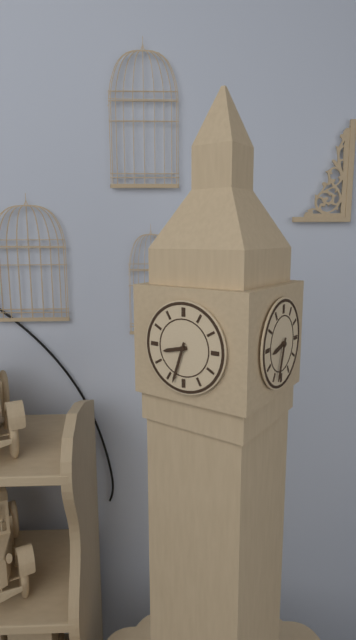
{"hour": 8, "minute": 33}
